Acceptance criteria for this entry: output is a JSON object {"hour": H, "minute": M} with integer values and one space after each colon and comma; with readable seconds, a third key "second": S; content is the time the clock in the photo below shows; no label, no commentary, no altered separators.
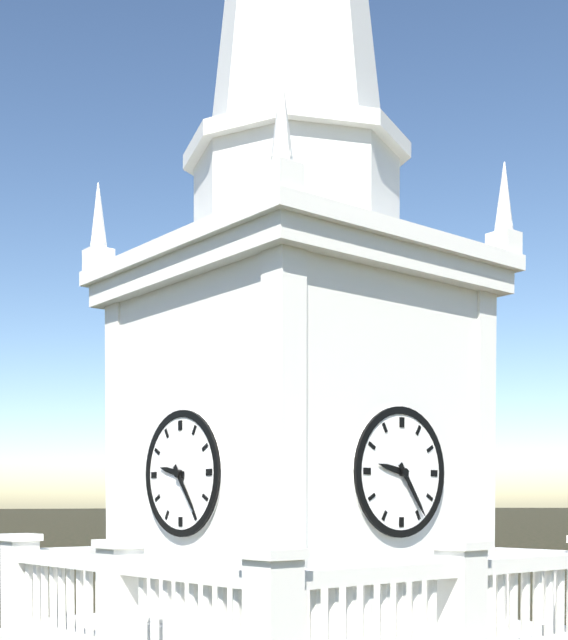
{"hour": 9, "minute": 24}
